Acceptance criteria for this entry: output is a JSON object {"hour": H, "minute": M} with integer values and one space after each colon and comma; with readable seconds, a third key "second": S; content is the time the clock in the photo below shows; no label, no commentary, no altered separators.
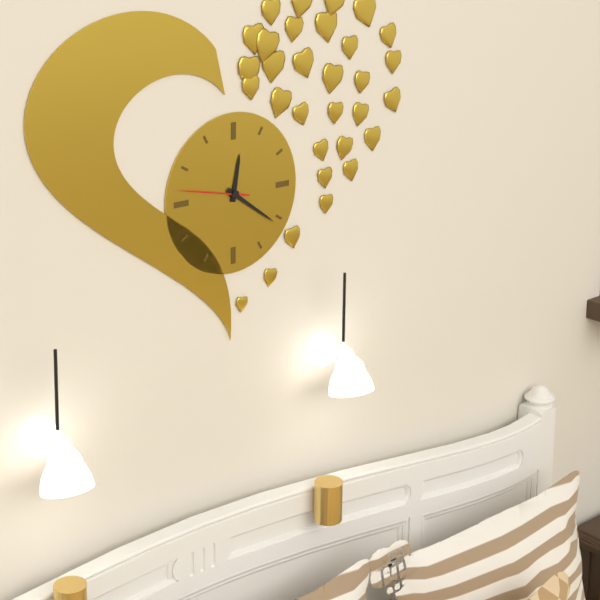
{"hour": 12, "minute": 21, "second": 47}
